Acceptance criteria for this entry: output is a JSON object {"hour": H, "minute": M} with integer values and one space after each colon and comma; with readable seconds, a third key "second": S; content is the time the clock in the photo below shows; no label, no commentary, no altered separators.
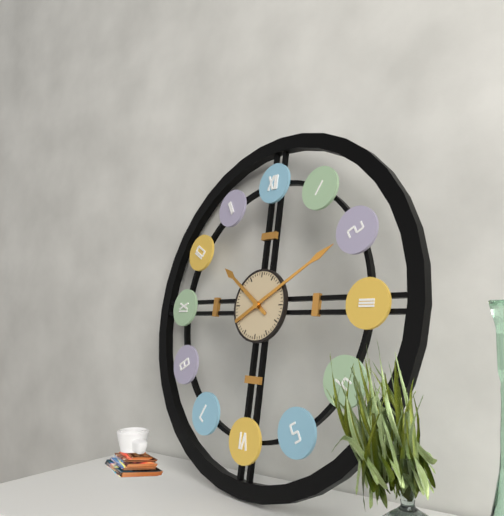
{"hour": 10, "minute": 10}
